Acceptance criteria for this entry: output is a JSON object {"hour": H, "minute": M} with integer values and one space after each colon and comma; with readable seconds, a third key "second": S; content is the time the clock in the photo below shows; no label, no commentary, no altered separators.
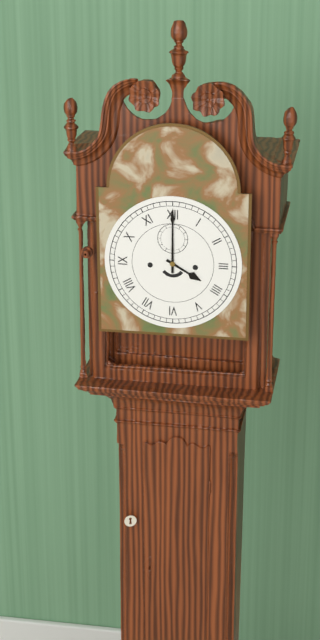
{"hour": 4, "minute": 0}
